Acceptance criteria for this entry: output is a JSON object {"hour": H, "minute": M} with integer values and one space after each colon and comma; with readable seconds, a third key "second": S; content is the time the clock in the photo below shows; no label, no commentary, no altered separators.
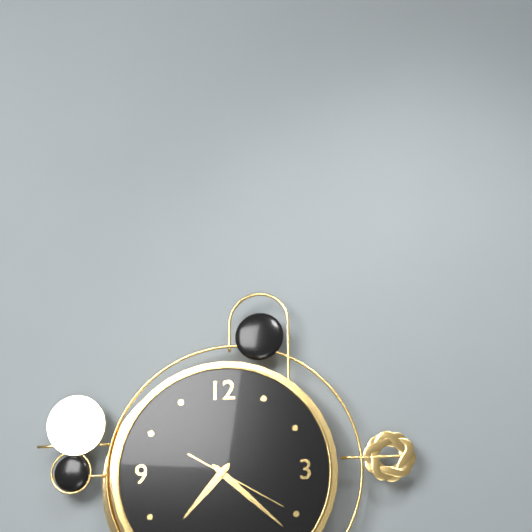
{"hour": 7, "minute": 22, "second": 20}
